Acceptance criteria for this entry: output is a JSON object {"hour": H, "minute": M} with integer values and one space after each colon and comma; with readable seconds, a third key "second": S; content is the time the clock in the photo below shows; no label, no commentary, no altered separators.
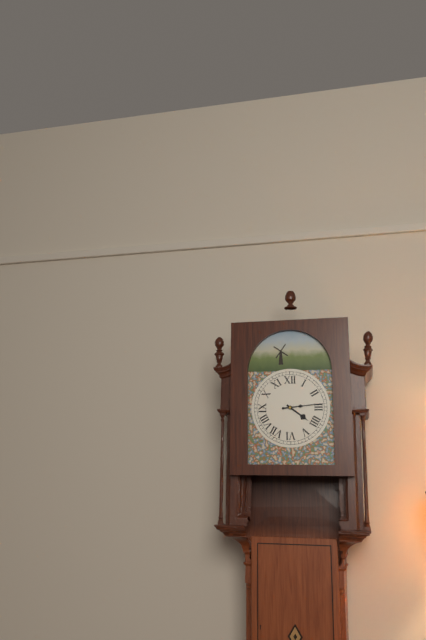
{"hour": 4, "minute": 14}
